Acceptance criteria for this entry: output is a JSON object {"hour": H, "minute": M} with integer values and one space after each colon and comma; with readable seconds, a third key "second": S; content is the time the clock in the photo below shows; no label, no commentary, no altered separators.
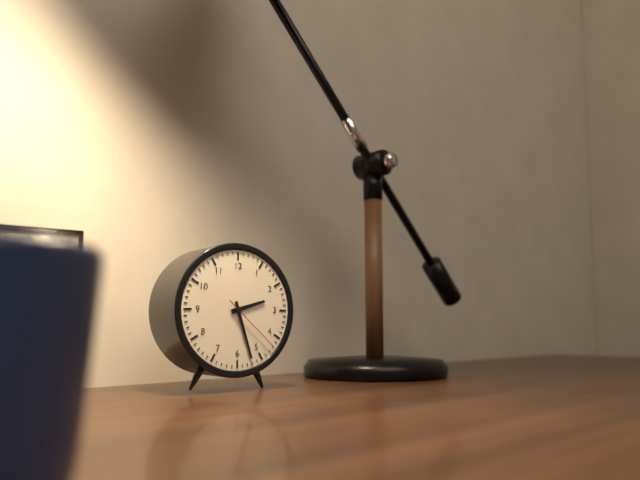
{"hour": 2, "minute": 27, "second": 22}
